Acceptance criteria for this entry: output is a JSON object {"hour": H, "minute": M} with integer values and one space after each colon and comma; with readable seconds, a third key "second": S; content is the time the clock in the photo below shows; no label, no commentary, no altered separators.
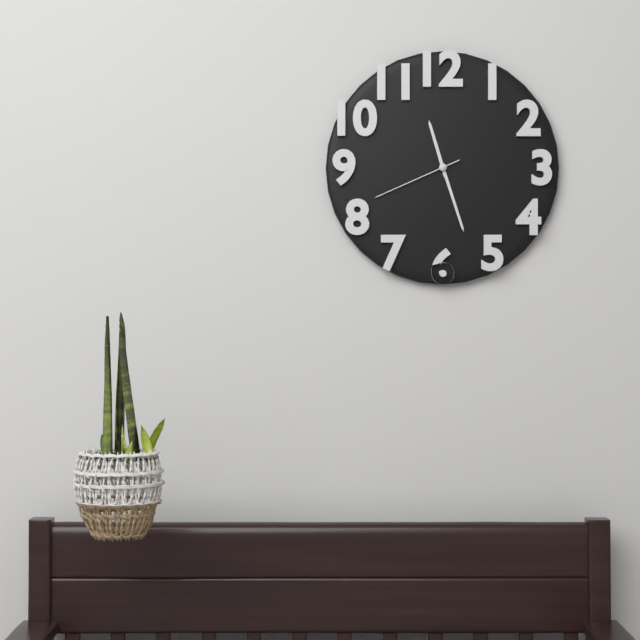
{"hour": 11, "minute": 27, "second": 41}
